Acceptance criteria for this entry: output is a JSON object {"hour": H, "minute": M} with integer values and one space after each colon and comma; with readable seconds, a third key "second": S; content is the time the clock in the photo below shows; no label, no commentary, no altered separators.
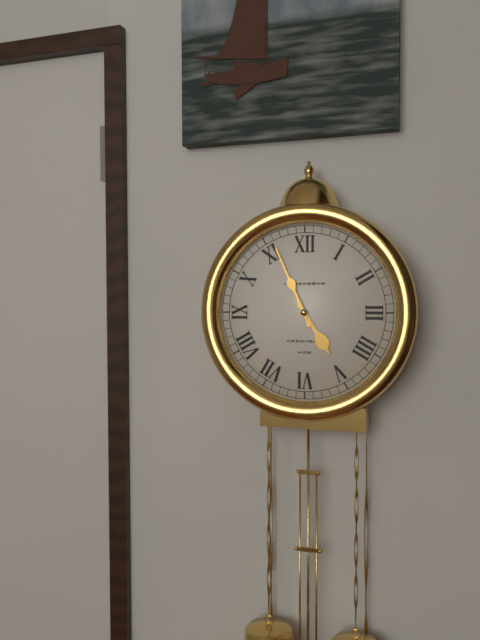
{"hour": 4, "minute": 56}
